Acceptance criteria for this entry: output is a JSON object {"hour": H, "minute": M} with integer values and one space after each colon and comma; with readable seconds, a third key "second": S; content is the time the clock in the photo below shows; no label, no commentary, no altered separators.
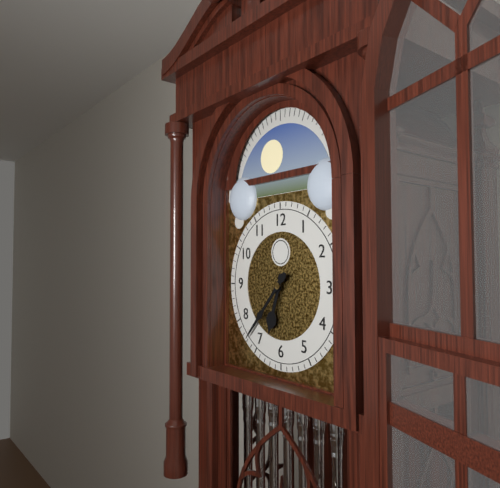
{"hour": 6, "minute": 37}
